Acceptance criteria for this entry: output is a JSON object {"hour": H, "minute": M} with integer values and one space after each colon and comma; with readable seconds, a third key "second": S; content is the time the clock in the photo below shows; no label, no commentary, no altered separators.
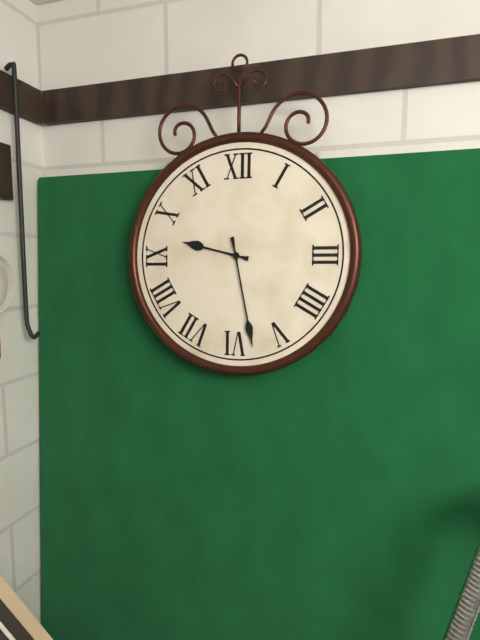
{"hour": 9, "minute": 28}
